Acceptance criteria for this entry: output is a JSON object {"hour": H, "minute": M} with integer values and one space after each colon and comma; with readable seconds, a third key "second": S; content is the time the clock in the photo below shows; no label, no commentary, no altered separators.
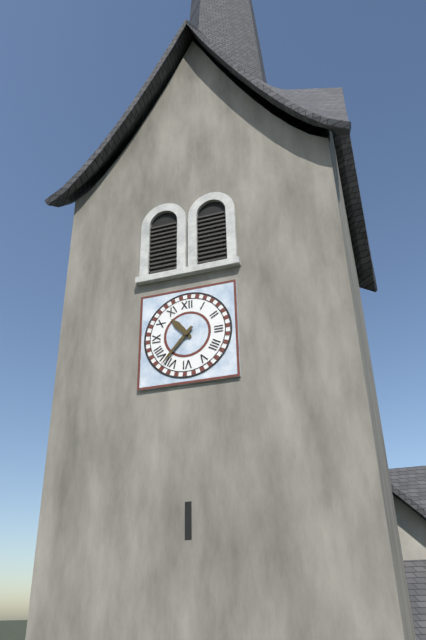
{"hour": 10, "minute": 37}
